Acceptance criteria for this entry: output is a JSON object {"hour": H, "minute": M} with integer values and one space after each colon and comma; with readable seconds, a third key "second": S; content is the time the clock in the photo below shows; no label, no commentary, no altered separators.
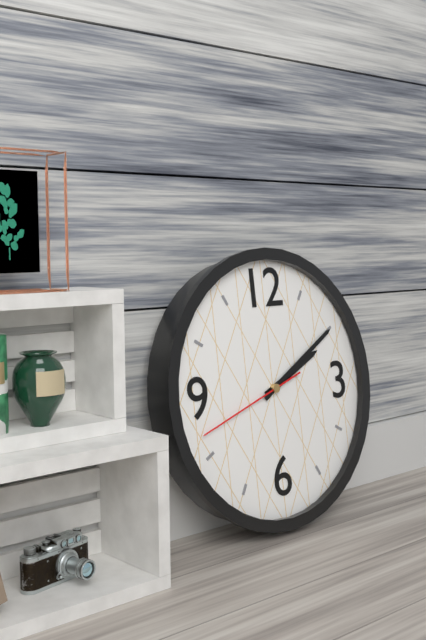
{"hour": 2, "minute": 10, "second": 42}
